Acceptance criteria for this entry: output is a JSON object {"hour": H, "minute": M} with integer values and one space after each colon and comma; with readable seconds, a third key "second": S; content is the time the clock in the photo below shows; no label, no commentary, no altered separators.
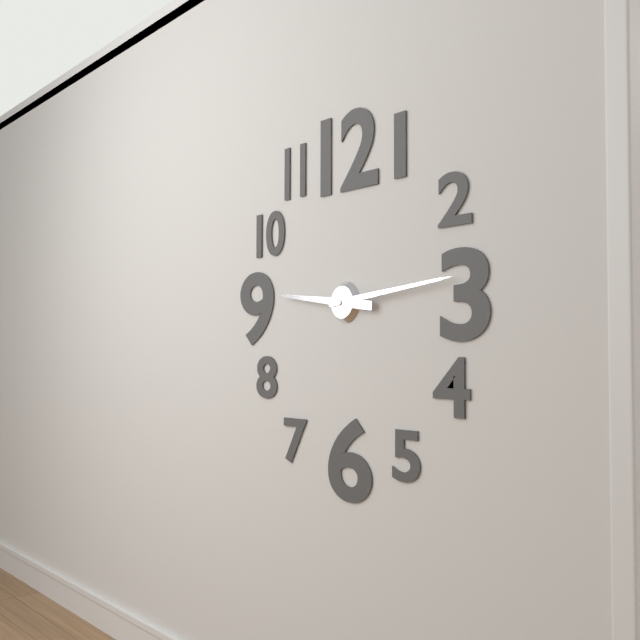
{"hour": 9, "minute": 14}
